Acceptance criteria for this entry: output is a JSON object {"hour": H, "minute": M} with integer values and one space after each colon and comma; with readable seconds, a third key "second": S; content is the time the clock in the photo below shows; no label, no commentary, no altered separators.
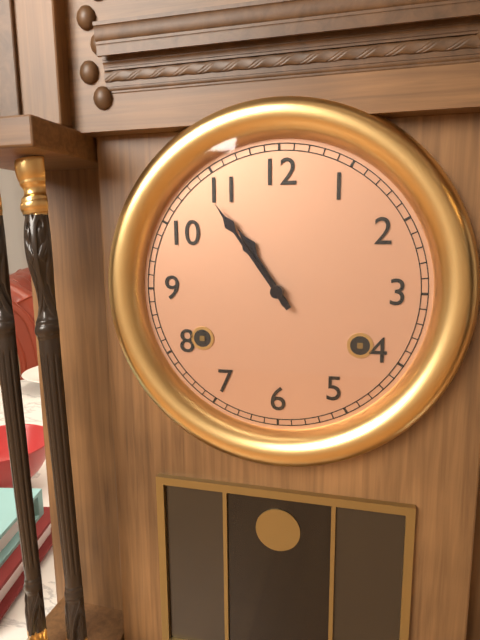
{"hour": 10, "minute": 54}
